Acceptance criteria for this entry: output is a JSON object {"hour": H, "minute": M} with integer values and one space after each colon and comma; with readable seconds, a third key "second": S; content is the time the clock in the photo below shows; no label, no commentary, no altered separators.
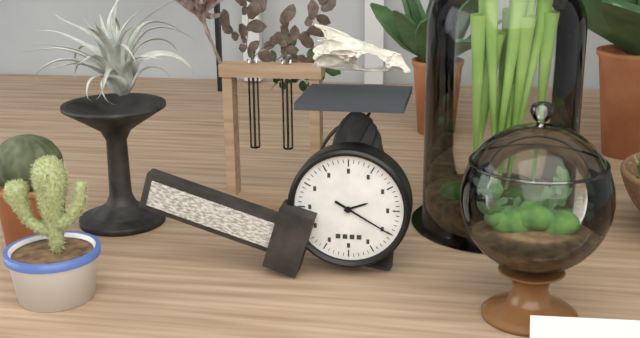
{"hour": 2, "minute": 20}
